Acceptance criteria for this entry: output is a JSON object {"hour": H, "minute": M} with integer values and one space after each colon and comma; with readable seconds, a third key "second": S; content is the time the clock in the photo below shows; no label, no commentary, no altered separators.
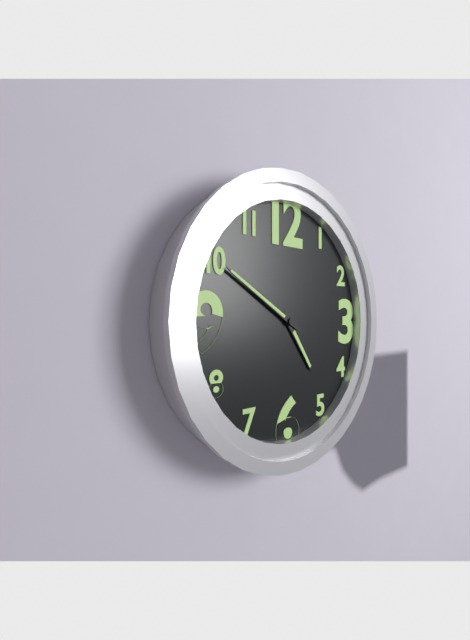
{"hour": 4, "minute": 50}
